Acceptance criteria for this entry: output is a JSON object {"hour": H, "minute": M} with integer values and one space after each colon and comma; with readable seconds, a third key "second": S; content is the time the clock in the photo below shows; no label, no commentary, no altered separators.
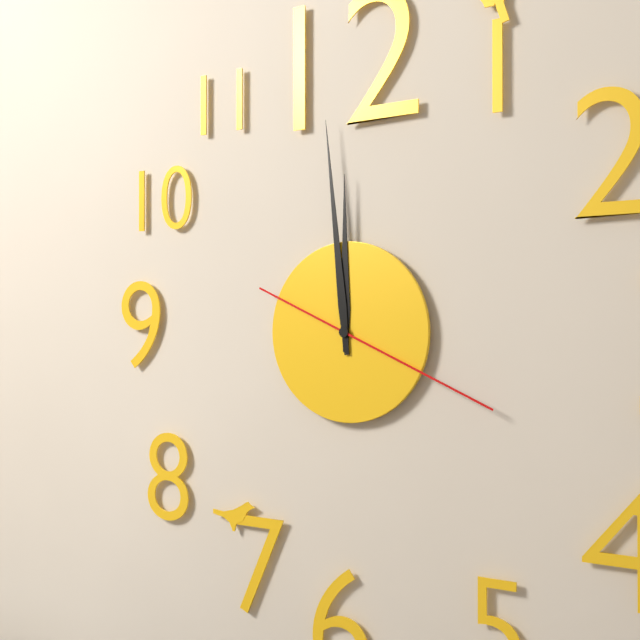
{"hour": 11, "minute": 59, "second": 19}
